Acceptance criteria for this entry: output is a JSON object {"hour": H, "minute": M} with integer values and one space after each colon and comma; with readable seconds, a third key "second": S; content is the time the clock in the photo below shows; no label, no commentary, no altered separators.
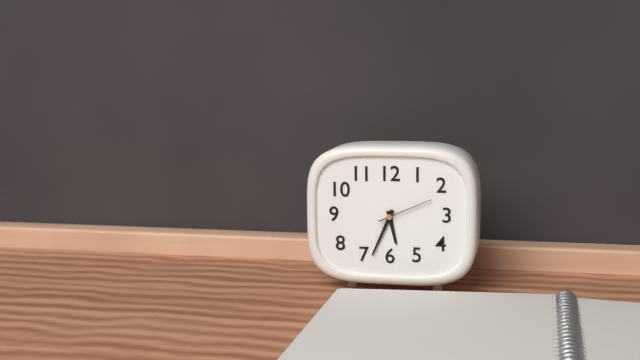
{"hour": 5, "minute": 34, "second": 11}
